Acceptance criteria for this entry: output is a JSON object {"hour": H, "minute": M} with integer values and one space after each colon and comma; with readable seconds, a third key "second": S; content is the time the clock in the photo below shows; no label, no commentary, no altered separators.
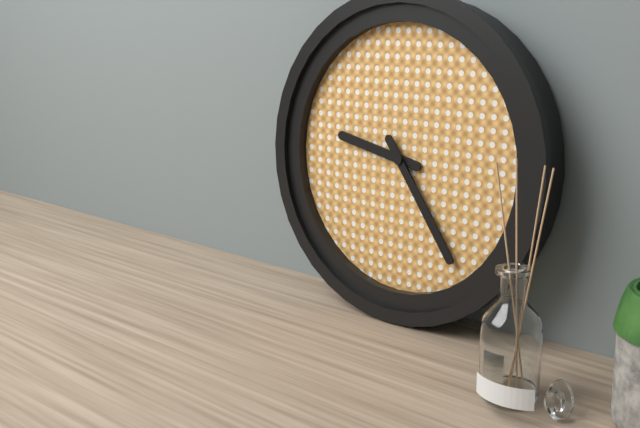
{"hour": 9, "minute": 24}
